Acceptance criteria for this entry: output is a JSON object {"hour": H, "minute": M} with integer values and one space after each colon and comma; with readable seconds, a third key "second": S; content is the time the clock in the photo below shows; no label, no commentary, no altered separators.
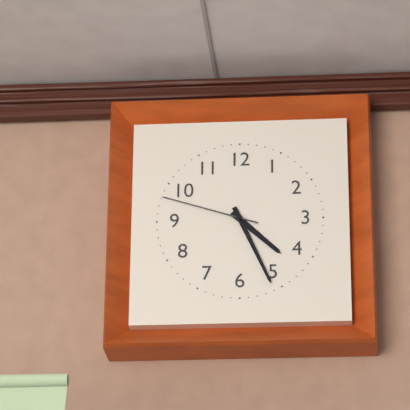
{"hour": 4, "minute": 26, "second": 48}
